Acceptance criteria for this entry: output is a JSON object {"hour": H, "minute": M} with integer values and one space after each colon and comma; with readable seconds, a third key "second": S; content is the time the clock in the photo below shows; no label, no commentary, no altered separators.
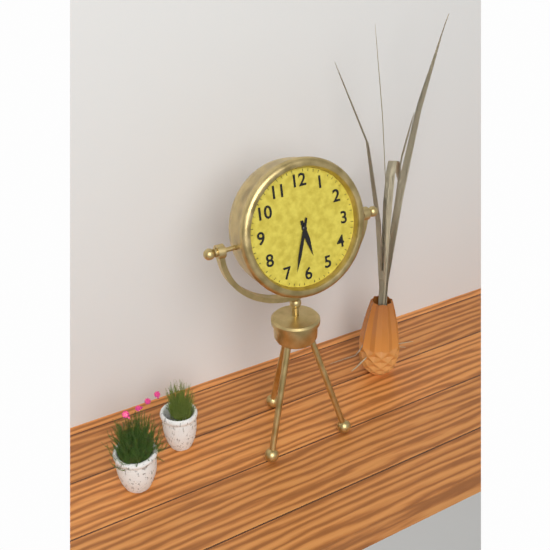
{"hour": 5, "minute": 33}
